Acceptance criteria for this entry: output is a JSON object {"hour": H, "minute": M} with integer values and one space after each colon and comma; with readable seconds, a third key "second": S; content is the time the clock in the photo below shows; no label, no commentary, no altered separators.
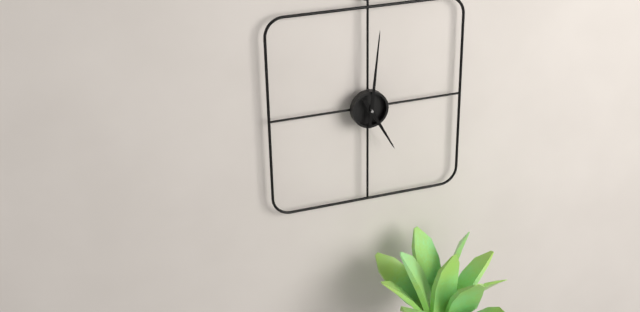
{"hour": 5, "minute": 1}
